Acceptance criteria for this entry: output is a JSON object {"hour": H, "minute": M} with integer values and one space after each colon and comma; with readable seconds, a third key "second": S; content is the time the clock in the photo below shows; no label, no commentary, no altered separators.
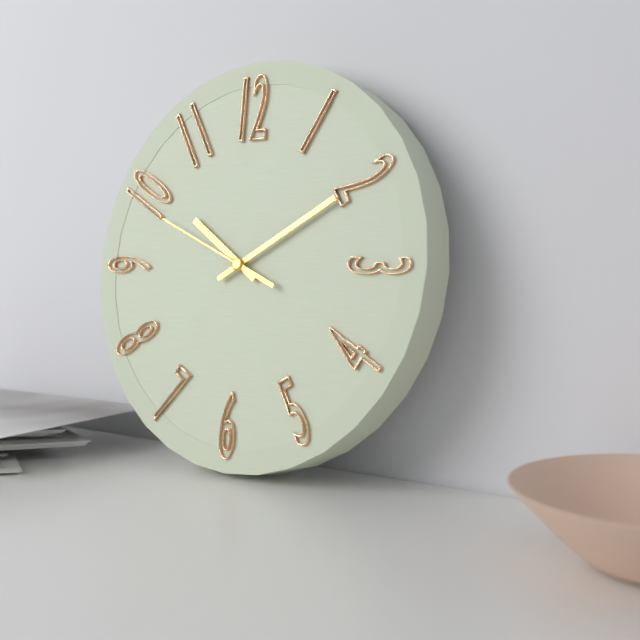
{"hour": 10, "minute": 10, "second": 49}
